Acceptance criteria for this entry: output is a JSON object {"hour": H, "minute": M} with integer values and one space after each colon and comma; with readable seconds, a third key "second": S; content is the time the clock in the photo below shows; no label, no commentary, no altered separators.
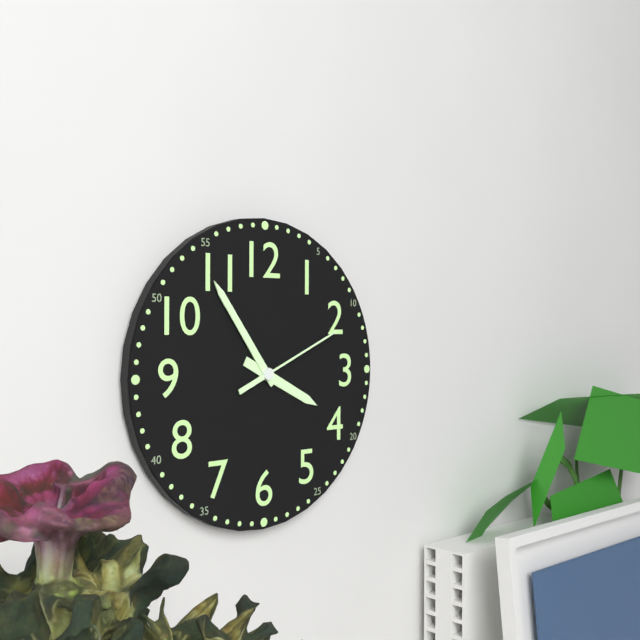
{"hour": 3, "minute": 54, "second": 11}
